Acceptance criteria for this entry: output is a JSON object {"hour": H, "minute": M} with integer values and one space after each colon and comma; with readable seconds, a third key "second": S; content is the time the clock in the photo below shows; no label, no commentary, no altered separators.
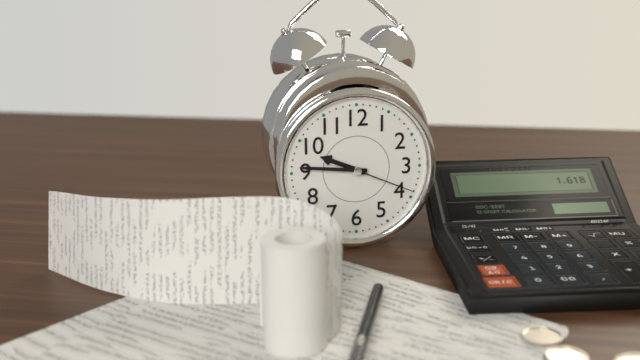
{"hour": 9, "minute": 46, "second": 19}
